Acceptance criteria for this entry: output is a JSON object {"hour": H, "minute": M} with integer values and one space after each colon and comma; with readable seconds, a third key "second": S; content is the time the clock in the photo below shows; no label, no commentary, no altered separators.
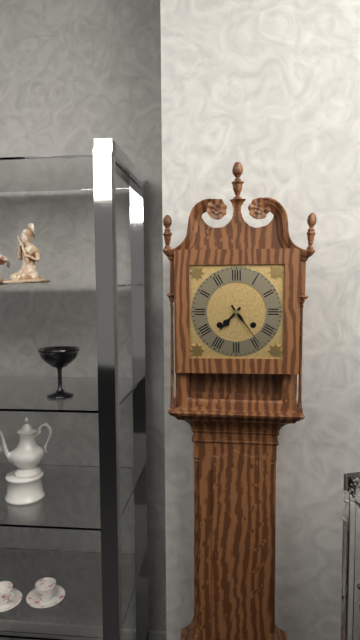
{"hour": 7, "minute": 24}
